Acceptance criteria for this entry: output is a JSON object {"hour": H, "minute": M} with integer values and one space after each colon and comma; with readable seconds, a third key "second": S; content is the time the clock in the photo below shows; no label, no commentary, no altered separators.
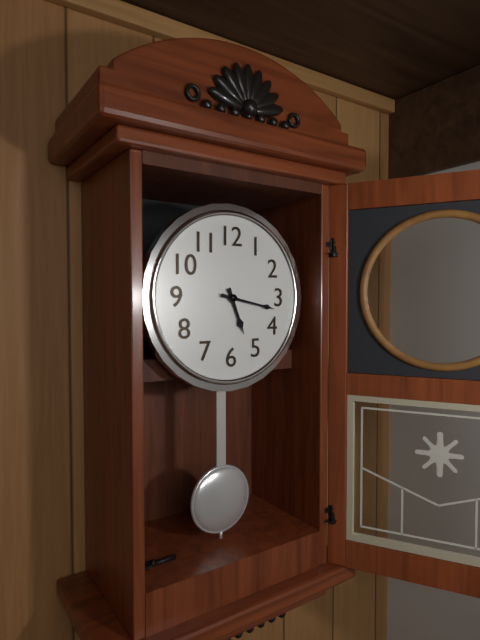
{"hour": 5, "minute": 17}
